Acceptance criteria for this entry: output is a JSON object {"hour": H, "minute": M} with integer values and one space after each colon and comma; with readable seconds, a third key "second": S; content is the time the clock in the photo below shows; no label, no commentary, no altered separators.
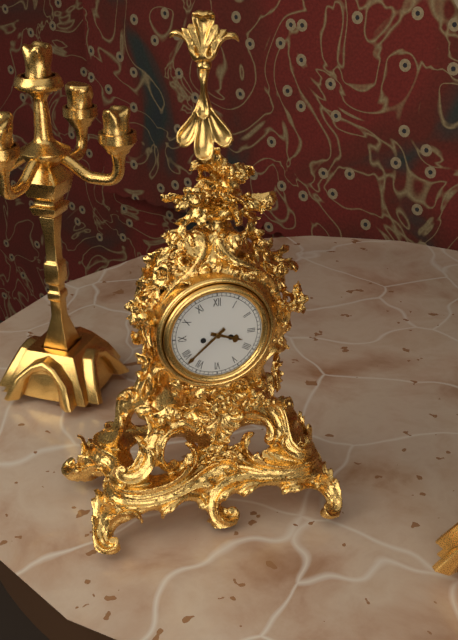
{"hour": 3, "minute": 38}
